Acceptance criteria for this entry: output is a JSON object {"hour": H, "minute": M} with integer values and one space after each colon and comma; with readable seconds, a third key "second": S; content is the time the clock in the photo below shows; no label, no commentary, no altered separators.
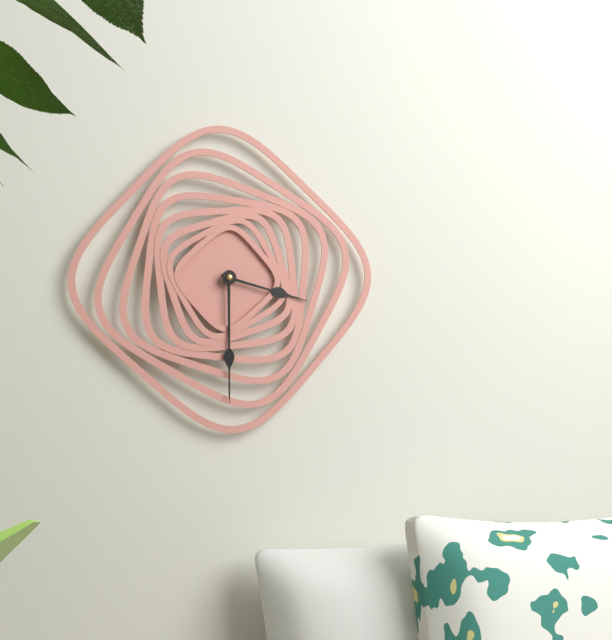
{"hour": 3, "minute": 30}
